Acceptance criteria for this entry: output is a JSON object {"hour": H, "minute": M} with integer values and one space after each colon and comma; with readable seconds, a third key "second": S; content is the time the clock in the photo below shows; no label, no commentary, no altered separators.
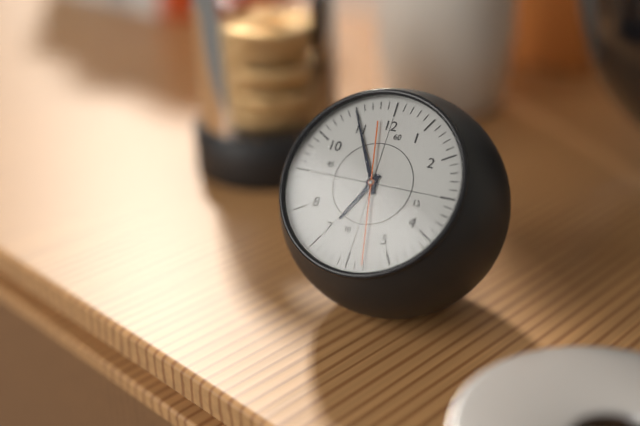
{"hour": 6, "minute": 55, "second": 28}
